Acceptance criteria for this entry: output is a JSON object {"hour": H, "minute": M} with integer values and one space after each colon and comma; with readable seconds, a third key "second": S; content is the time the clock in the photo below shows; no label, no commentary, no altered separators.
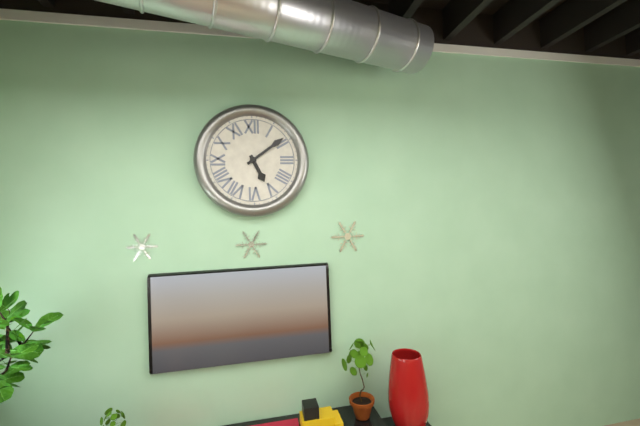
{"hour": 5, "minute": 9}
